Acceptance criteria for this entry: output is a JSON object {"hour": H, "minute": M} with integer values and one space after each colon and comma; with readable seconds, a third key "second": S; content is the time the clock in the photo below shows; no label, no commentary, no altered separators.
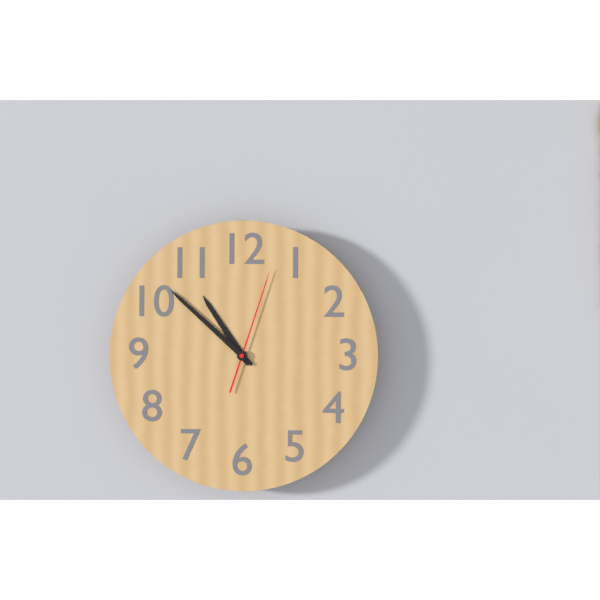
{"hour": 10, "minute": 52, "second": 3}
